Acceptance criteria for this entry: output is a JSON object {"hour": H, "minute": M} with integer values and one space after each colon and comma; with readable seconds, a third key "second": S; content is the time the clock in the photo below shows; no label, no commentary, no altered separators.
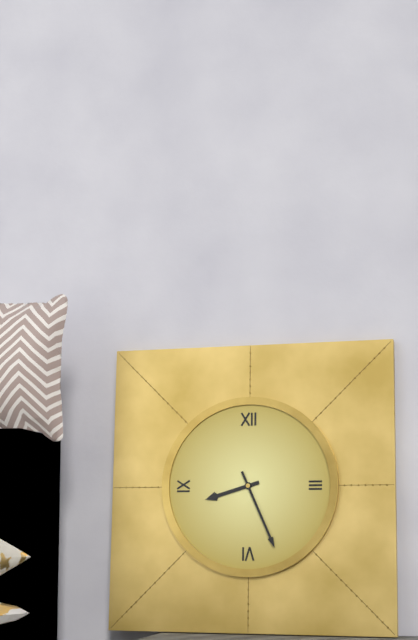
{"hour": 8, "minute": 26}
